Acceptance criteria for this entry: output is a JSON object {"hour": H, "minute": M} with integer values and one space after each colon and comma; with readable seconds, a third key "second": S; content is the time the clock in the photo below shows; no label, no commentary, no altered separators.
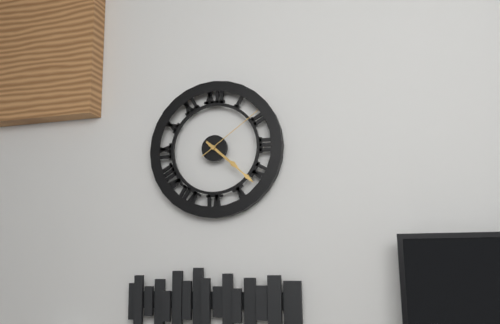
{"hour": 4, "minute": 22, "second": 9}
